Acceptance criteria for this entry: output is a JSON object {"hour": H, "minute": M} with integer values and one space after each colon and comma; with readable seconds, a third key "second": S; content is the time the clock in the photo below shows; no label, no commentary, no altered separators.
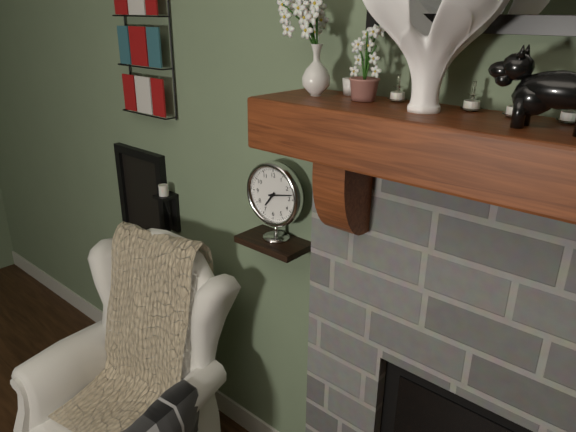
{"hour": 7, "minute": 13}
